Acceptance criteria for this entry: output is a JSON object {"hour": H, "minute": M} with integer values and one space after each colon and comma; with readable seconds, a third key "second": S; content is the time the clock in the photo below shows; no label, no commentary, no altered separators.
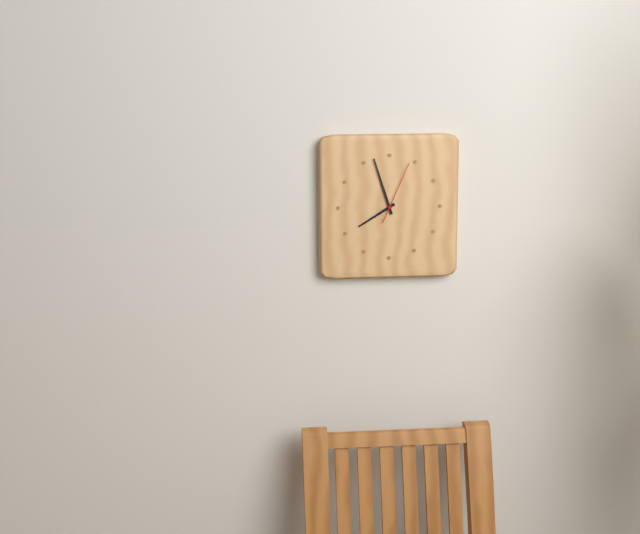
{"hour": 7, "minute": 57, "second": 4}
